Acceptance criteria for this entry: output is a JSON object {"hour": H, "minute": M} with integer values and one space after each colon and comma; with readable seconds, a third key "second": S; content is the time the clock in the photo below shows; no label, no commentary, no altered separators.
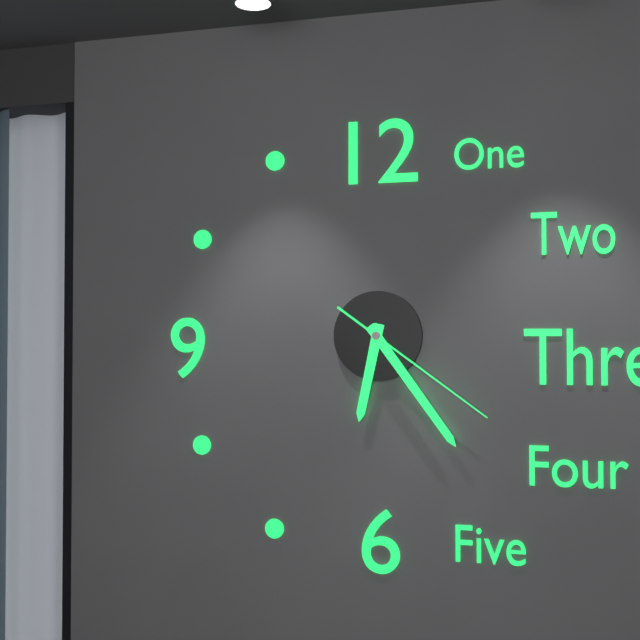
{"hour": 6, "minute": 24, "second": 21}
